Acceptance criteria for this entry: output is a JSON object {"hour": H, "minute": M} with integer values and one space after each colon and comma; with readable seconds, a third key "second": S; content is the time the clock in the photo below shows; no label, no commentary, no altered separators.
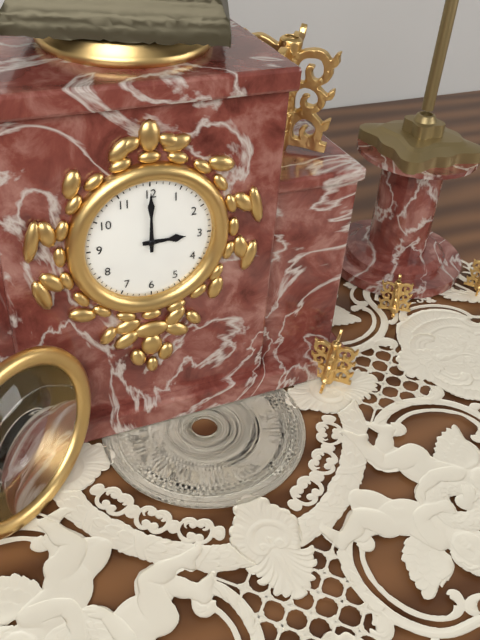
{"hour": 3, "minute": 0}
